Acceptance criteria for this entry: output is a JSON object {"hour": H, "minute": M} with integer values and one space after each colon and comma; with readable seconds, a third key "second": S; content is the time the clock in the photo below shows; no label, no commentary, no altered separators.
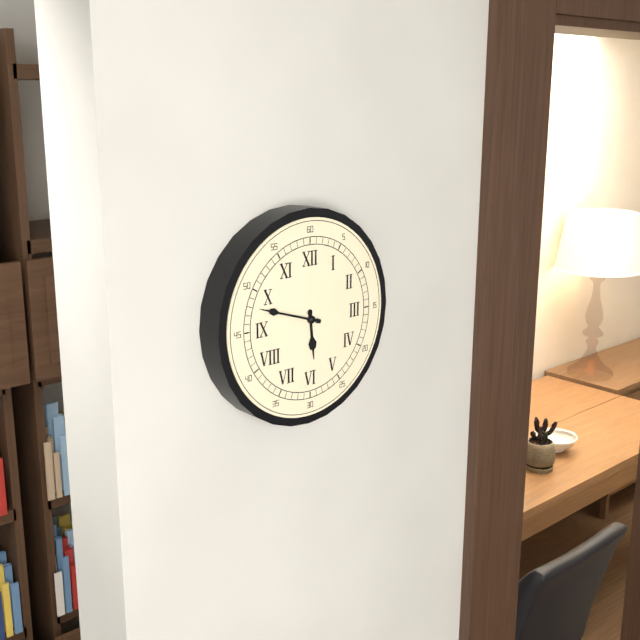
{"hour": 5, "minute": 48}
